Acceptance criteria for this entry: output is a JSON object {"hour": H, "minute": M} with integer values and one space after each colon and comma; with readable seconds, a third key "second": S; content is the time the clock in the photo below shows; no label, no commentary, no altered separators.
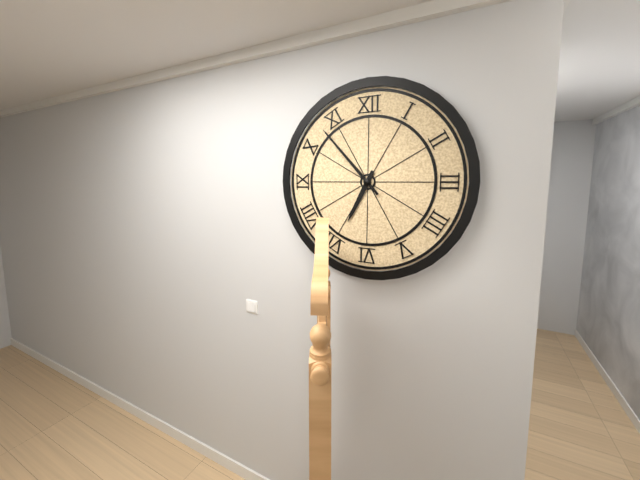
{"hour": 6, "minute": 53}
